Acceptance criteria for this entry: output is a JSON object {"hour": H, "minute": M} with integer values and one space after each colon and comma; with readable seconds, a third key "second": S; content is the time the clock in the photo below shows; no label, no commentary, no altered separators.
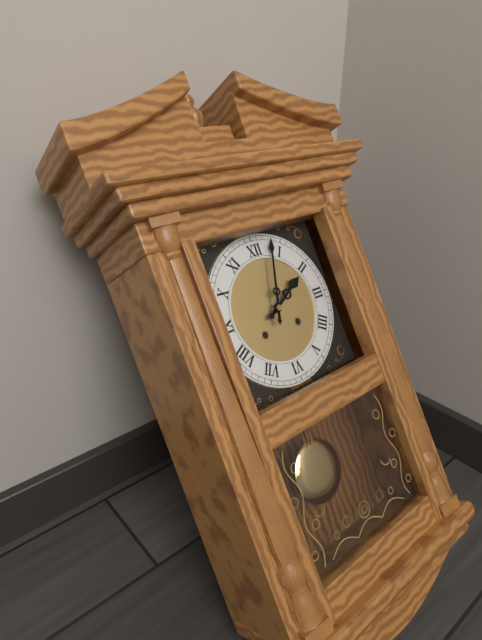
{"hour": 2, "minute": 3}
